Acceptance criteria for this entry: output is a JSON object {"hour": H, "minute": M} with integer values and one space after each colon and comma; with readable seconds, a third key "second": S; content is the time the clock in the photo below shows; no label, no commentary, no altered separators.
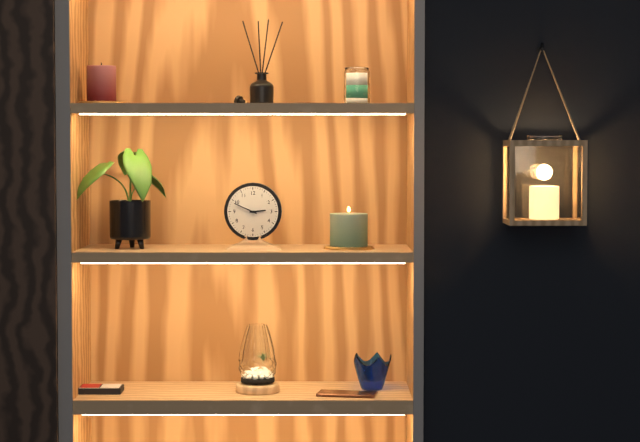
{"hour": 2, "minute": 49}
